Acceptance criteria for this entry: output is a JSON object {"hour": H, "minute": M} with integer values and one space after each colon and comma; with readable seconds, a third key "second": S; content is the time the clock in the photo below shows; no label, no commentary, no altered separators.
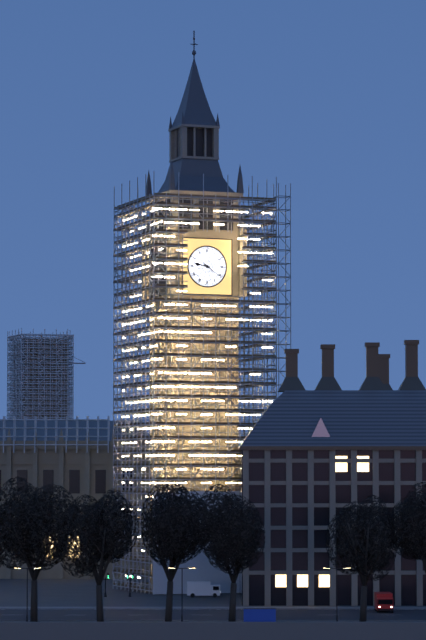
{"hour": 9, "minute": 21}
